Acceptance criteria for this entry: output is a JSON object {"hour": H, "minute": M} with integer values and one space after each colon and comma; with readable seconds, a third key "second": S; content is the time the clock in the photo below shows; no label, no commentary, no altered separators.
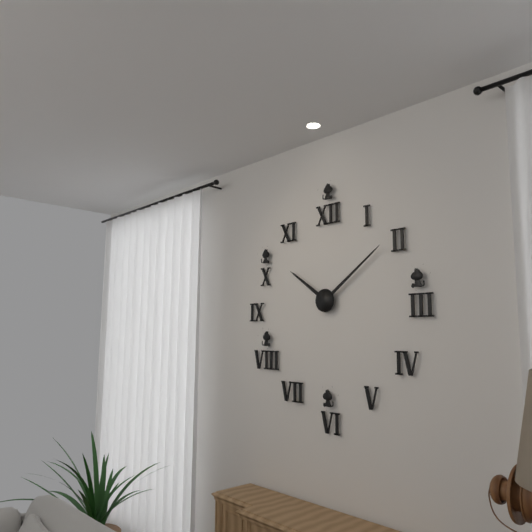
{"hour": 10, "minute": 9}
